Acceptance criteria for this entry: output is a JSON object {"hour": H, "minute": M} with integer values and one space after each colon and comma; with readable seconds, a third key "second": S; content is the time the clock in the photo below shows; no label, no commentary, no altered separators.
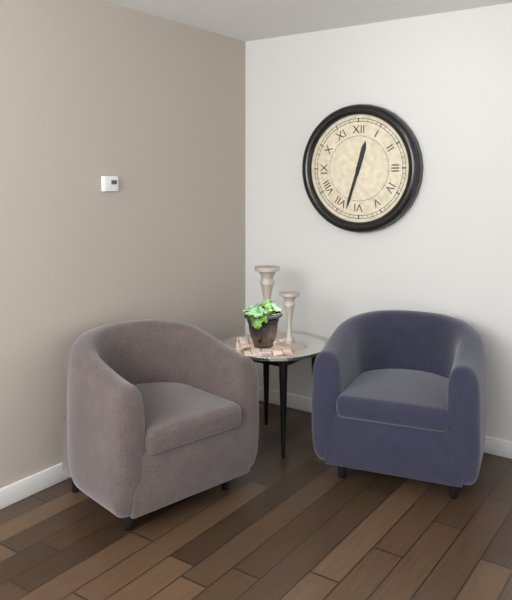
{"hour": 12, "minute": 33}
